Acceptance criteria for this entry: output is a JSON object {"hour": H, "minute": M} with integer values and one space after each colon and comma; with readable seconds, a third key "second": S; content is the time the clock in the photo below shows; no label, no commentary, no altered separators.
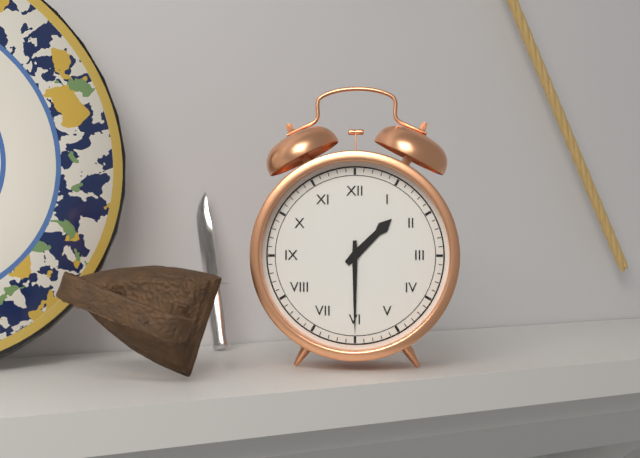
{"hour": 1, "minute": 30}
